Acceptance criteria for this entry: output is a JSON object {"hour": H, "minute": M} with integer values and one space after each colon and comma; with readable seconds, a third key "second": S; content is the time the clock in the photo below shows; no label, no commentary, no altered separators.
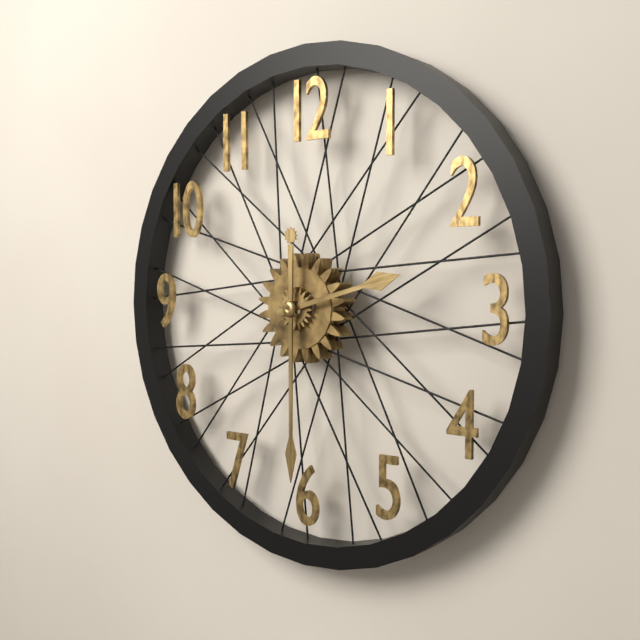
{"hour": 2, "minute": 30}
